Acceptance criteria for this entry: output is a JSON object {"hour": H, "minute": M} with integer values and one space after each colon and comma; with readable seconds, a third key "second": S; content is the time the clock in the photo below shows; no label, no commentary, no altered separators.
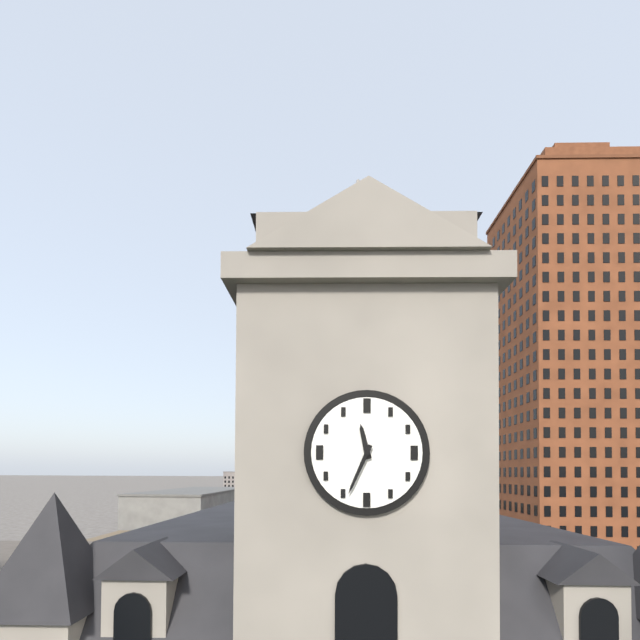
{"hour": 11, "minute": 34}
